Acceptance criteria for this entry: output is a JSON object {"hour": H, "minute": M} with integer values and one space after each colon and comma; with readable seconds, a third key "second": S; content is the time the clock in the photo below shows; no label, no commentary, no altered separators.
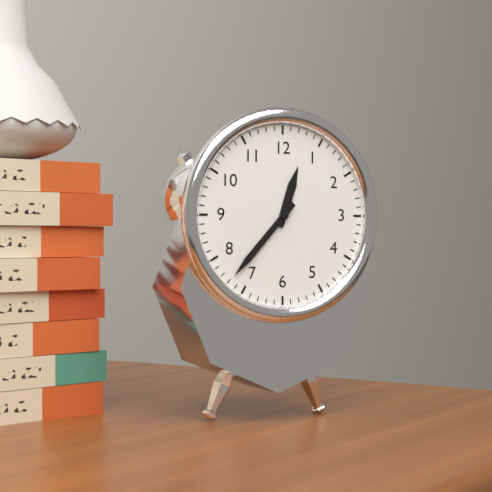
{"hour": 12, "minute": 37}
